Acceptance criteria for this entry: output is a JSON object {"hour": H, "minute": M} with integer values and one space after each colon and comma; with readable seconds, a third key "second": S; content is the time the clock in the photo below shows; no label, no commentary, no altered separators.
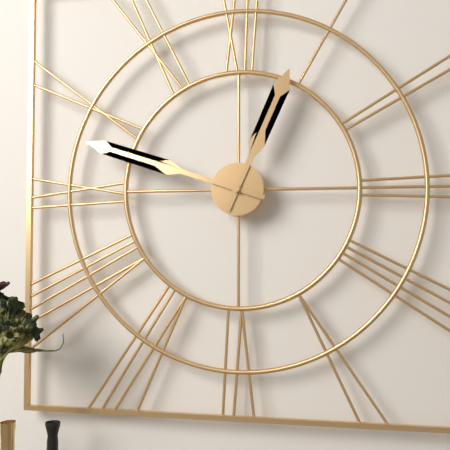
{"hour": 12, "minute": 48}
